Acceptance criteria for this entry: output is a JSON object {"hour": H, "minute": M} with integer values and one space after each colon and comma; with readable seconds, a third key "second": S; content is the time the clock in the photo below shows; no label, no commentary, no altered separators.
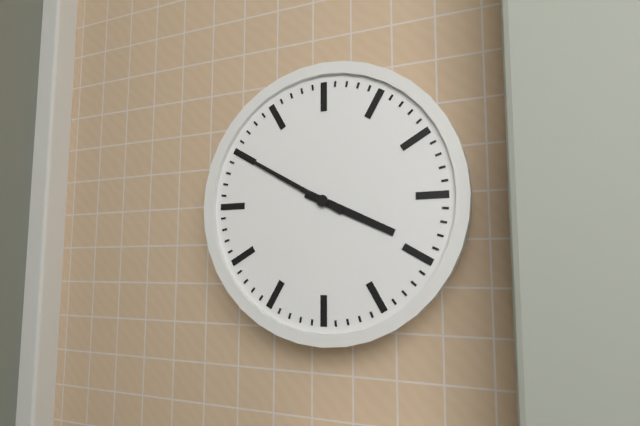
{"hour": 3, "minute": 50}
